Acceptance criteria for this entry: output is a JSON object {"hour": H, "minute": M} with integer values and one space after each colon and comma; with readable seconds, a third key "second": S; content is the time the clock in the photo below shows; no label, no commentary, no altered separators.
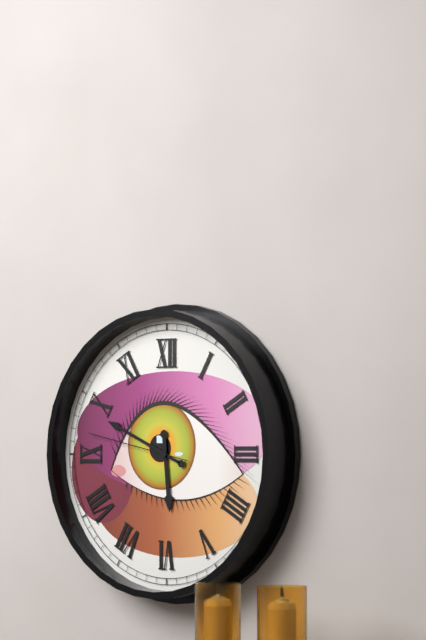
{"hour": 5, "minute": 49, "second": 47}
